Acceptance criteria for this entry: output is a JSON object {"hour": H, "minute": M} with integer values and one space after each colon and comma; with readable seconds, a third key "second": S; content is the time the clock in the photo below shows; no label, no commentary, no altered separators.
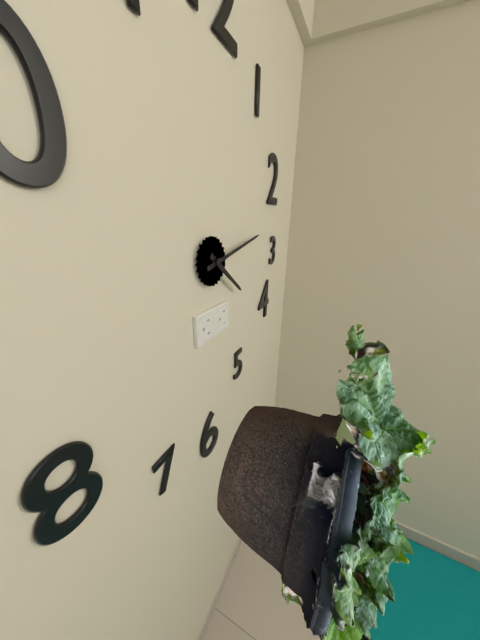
{"hour": 4, "minute": 13}
